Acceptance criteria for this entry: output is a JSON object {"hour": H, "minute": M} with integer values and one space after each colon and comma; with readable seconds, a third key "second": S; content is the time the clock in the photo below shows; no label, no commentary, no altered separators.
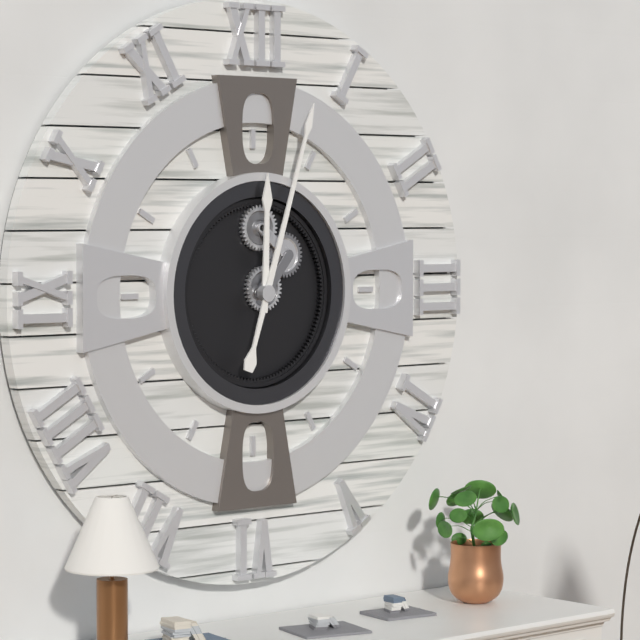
{"hour": 12, "minute": 3}
